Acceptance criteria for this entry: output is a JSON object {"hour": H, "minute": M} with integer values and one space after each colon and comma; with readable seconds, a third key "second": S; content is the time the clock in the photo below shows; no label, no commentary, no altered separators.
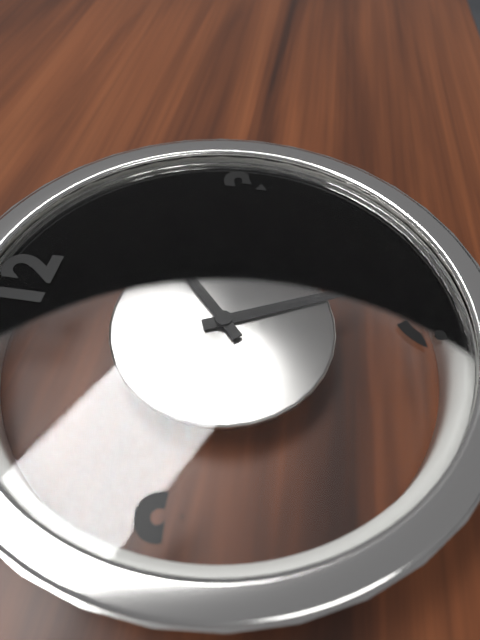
{"hour": 5, "minute": 8}
